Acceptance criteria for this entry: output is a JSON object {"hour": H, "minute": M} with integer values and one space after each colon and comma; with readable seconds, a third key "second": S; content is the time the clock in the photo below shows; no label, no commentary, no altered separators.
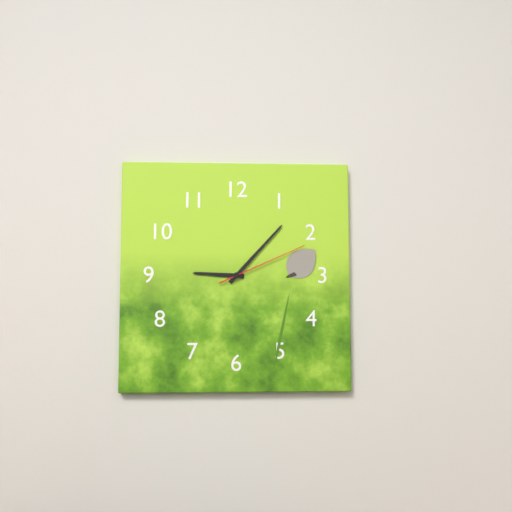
{"hour": 9, "minute": 7, "second": 11}
